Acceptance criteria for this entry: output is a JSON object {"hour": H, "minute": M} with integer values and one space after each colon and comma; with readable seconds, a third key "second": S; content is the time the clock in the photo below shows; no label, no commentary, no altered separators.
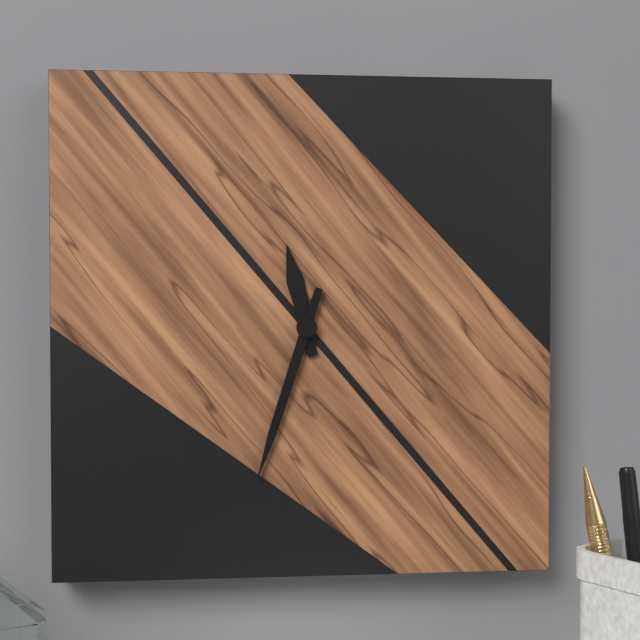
{"hour": 11, "minute": 33}
